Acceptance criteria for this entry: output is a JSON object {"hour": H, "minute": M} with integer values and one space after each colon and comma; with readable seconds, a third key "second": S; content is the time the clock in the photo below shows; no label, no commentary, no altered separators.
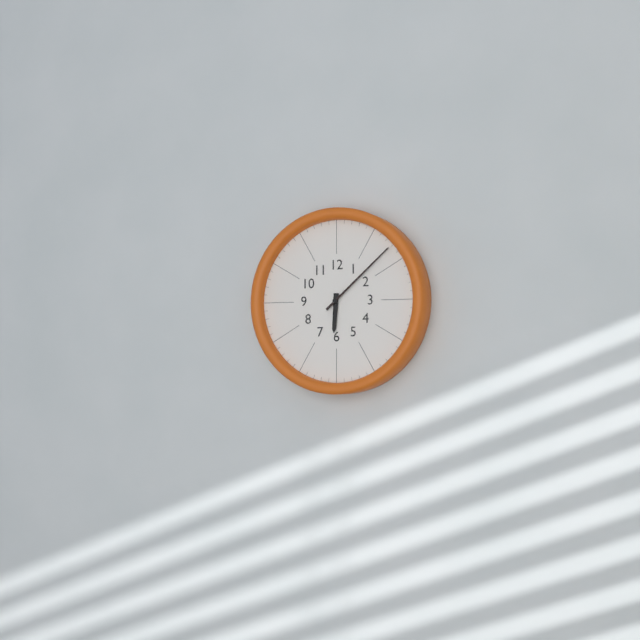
{"hour": 6, "minute": 8}
